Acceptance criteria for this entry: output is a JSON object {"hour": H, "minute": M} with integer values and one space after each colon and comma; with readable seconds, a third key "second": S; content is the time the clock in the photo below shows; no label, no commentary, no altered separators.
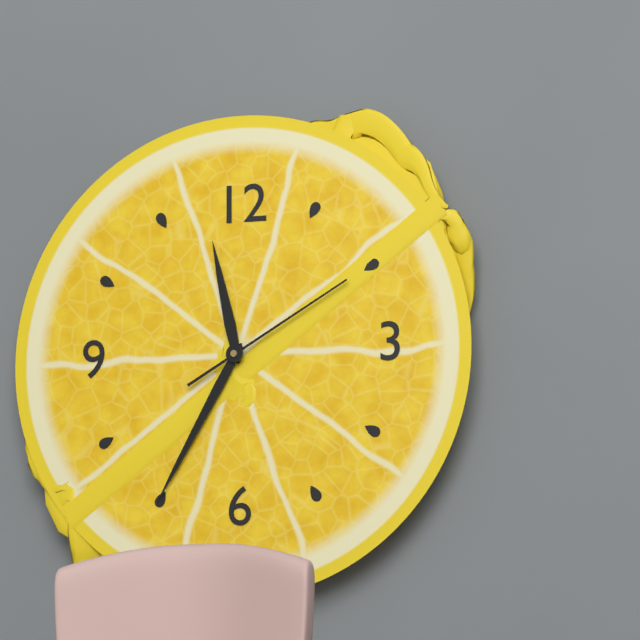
{"hour": 11, "minute": 35, "second": 10}
